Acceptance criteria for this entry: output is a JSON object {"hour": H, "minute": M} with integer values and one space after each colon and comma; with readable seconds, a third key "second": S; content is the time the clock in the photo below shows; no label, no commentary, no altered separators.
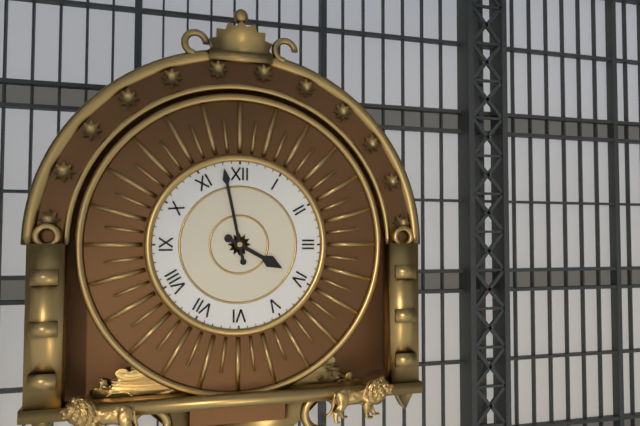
{"hour": 3, "minute": 58}
